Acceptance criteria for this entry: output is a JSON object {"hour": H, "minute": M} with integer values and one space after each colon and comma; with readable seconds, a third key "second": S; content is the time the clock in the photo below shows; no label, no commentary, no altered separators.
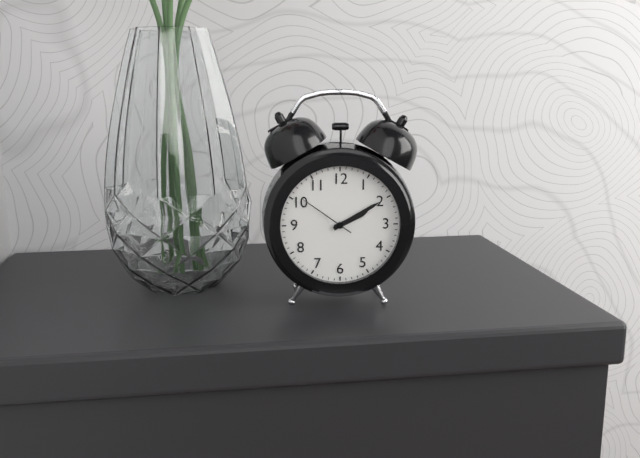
{"hour": 2, "minute": 10, "second": 51}
